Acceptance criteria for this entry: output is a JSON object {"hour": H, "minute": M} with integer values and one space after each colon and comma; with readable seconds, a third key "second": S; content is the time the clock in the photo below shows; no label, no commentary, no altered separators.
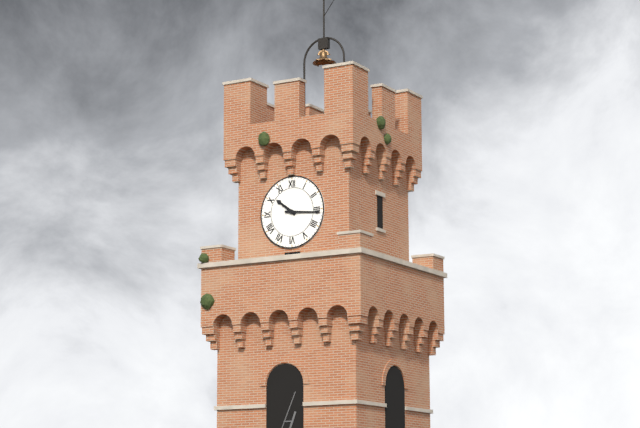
{"hour": 10, "minute": 16}
